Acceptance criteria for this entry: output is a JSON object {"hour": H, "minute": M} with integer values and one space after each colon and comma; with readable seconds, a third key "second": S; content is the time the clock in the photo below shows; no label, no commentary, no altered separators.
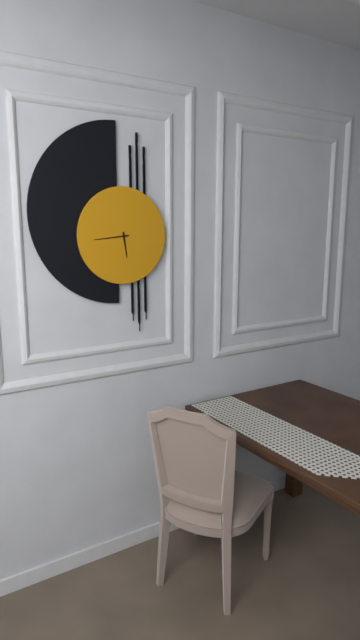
{"hour": 5, "minute": 44}
